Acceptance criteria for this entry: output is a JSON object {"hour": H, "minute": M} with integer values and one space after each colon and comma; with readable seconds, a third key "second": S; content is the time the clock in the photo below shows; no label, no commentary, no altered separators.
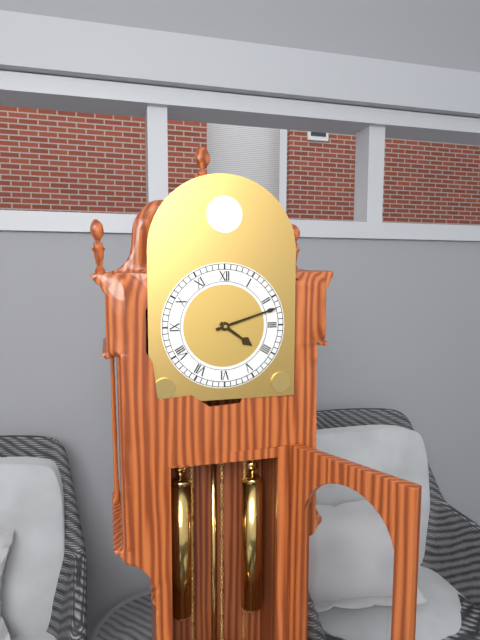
{"hour": 4, "minute": 12}
